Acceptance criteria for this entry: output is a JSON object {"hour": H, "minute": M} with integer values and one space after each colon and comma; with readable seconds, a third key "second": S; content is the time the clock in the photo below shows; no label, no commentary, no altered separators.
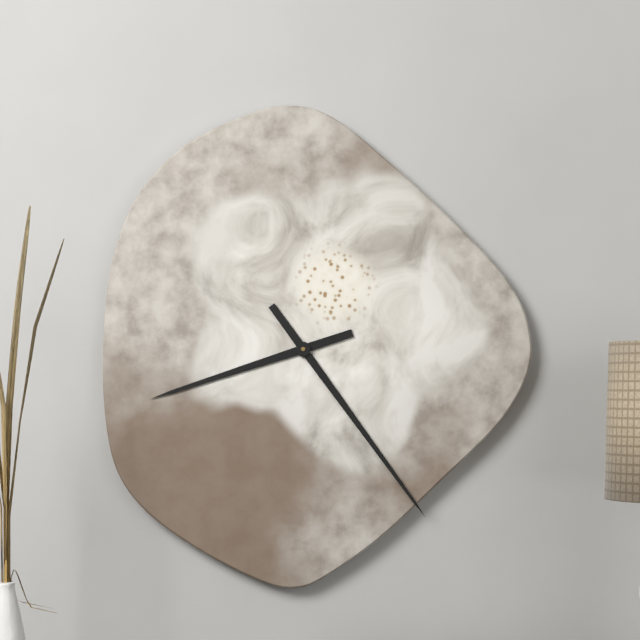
{"hour": 8, "minute": 24}
